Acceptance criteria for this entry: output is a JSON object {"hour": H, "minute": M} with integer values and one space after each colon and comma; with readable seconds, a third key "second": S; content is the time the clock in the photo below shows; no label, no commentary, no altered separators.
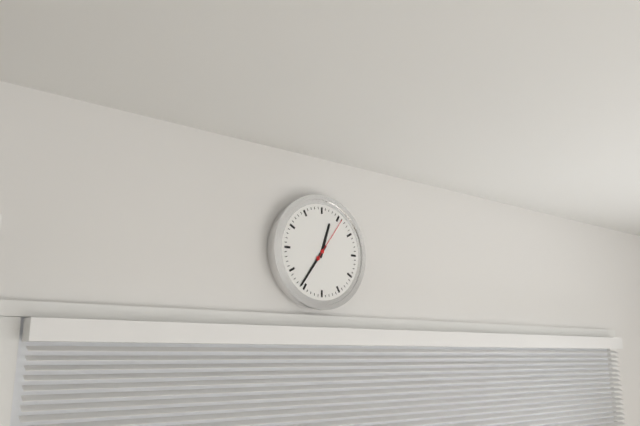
{"hour": 12, "minute": 36}
